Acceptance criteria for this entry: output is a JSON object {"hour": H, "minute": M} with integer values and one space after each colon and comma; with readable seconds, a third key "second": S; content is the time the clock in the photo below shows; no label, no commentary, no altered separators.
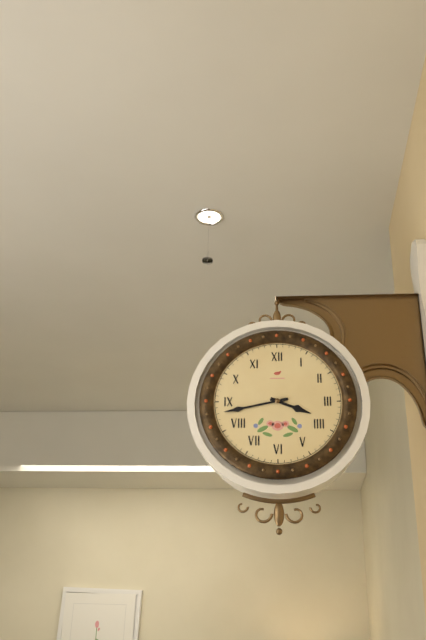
{"hour": 3, "minute": 43}
